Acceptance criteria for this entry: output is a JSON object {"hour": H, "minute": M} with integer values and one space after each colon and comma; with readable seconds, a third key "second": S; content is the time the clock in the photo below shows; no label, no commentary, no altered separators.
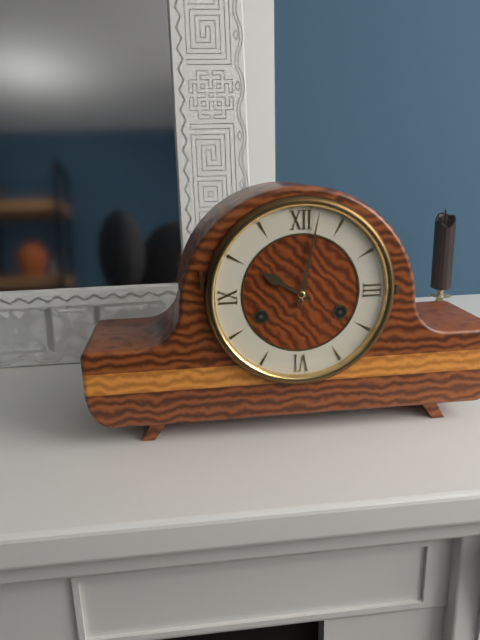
{"hour": 10, "minute": 2}
